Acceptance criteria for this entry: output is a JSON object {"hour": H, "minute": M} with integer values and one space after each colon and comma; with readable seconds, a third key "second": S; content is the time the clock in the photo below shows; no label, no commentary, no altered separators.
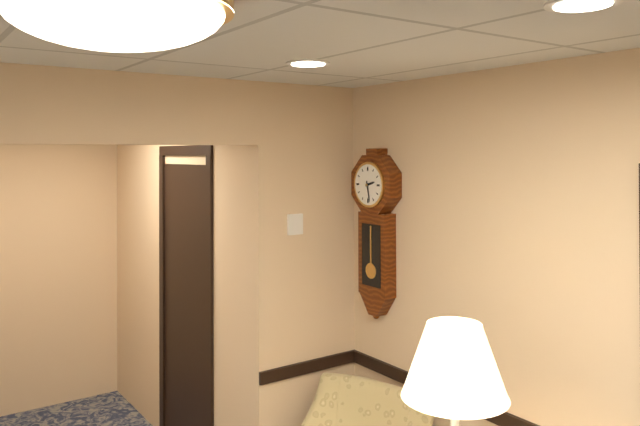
{"hour": 2, "minute": 28}
